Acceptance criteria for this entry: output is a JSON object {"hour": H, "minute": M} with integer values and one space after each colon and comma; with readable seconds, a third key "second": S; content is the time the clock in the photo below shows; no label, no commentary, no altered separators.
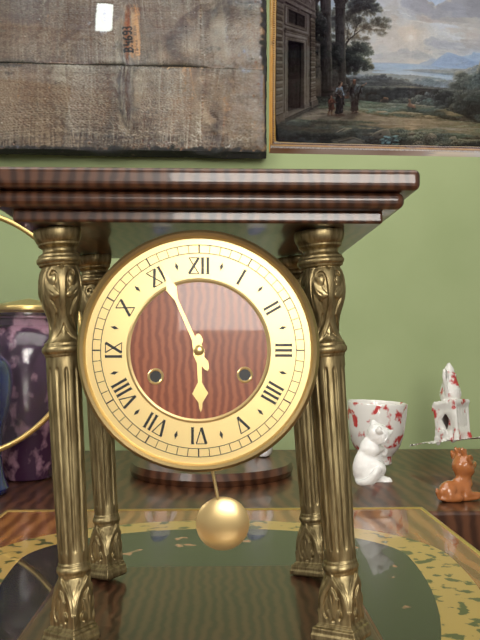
{"hour": 5, "minute": 56}
